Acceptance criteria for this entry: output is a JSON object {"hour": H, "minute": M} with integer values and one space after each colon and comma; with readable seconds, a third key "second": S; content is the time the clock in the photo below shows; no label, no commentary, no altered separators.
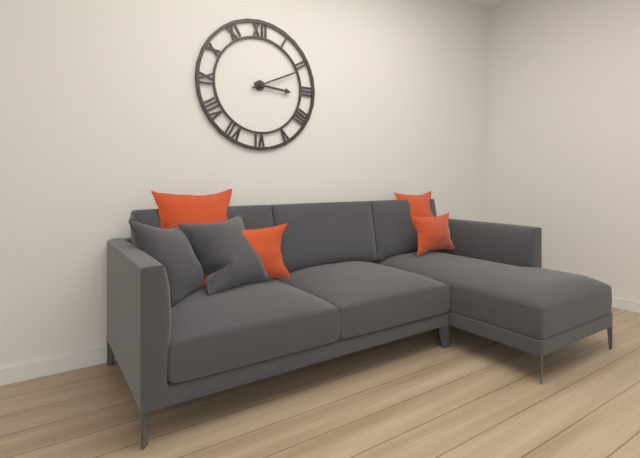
{"hour": 3, "minute": 11}
